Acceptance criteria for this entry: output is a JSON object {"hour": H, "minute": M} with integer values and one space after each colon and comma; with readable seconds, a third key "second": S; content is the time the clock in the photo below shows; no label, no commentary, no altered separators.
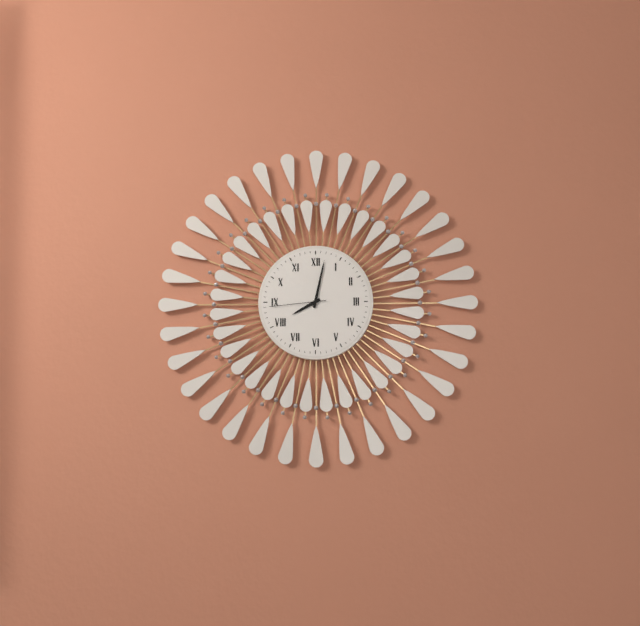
{"hour": 8, "minute": 2, "second": 44}
